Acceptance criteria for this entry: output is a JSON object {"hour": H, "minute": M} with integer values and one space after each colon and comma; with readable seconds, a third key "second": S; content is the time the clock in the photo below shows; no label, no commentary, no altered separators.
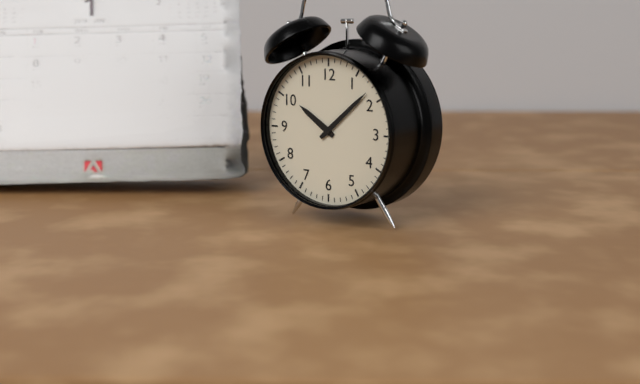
{"hour": 10, "minute": 8}
